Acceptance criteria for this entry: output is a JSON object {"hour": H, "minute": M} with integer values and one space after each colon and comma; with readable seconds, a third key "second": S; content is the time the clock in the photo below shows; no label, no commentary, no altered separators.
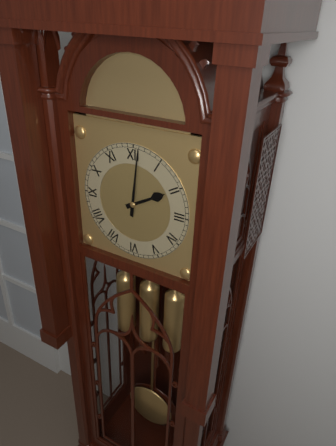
{"hour": 2, "minute": 1}
